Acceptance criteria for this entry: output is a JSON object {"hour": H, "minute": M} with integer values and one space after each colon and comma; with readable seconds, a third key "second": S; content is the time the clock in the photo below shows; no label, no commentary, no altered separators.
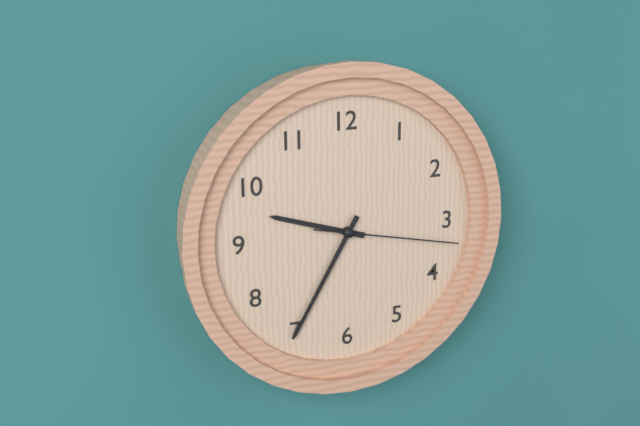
{"hour": 9, "minute": 35, "second": 17}
